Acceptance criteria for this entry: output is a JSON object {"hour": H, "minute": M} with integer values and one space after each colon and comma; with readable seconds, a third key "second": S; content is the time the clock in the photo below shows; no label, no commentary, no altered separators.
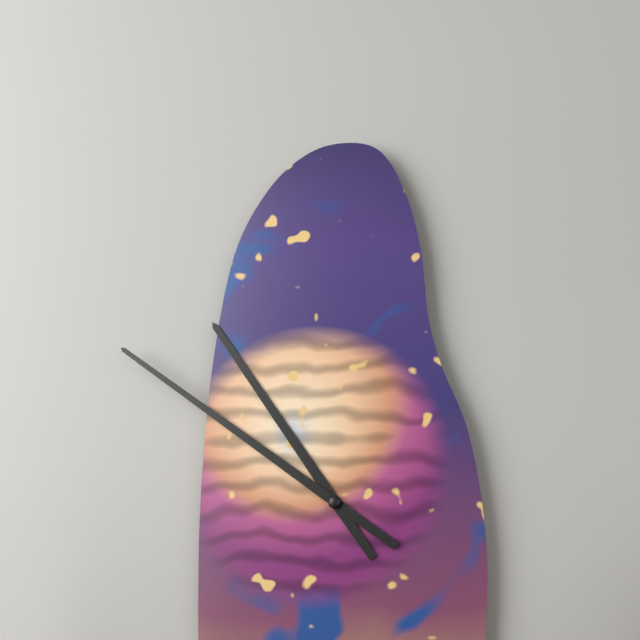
{"hour": 10, "minute": 51}
